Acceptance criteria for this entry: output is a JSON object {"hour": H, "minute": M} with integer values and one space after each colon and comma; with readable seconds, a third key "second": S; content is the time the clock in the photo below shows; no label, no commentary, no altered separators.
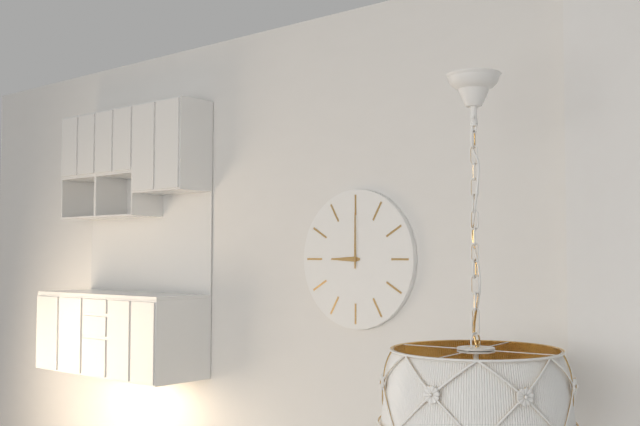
{"hour": 9, "minute": 0}
